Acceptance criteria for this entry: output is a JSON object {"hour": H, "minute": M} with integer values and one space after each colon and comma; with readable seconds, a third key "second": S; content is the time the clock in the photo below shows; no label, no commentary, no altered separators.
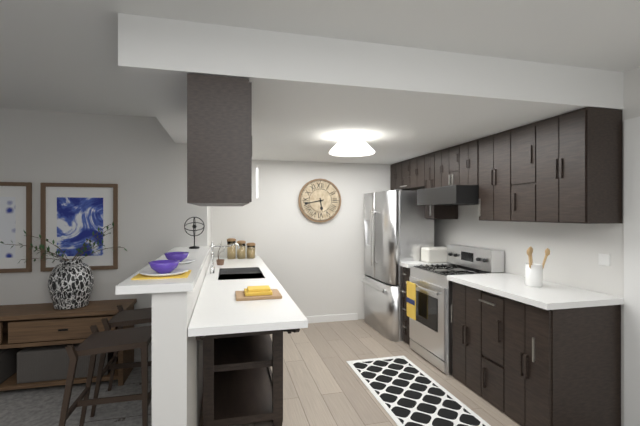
{"hour": 5, "minute": 43}
